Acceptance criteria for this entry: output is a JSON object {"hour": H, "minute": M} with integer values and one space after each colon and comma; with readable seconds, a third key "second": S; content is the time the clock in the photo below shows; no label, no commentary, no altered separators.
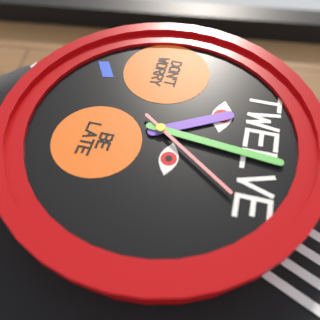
{"hour": 11, "minute": 1, "second": 6}
